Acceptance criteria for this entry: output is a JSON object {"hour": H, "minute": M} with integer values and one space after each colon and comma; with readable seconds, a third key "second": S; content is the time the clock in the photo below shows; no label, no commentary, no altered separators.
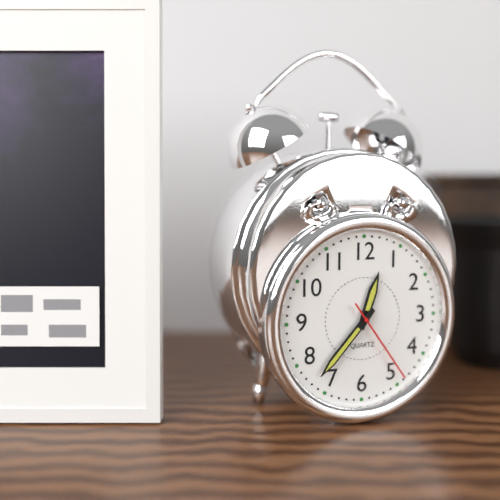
{"hour": 12, "minute": 37, "second": 24}
